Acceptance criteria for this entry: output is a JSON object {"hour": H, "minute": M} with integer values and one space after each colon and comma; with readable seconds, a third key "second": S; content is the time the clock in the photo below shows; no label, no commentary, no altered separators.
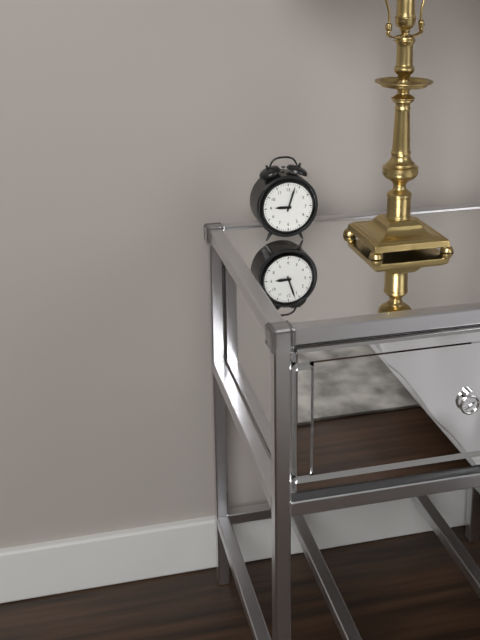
{"hour": 9, "minute": 3}
